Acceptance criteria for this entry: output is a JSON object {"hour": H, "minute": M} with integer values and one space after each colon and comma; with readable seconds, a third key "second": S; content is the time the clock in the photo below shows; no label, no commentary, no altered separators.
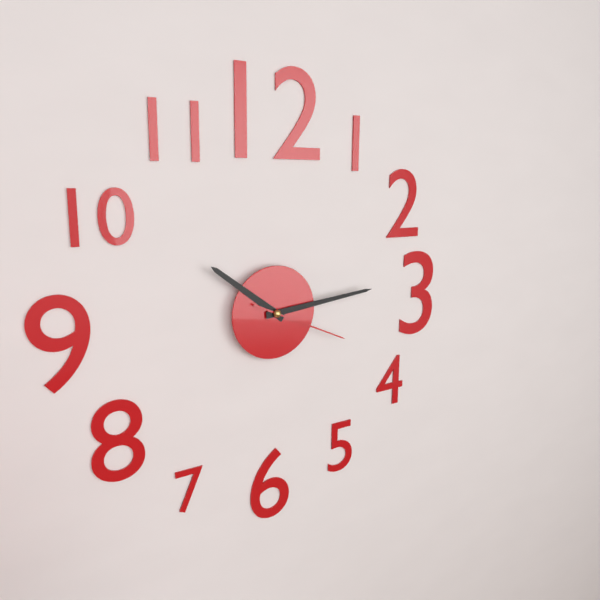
{"hour": 10, "minute": 14, "second": 19}
